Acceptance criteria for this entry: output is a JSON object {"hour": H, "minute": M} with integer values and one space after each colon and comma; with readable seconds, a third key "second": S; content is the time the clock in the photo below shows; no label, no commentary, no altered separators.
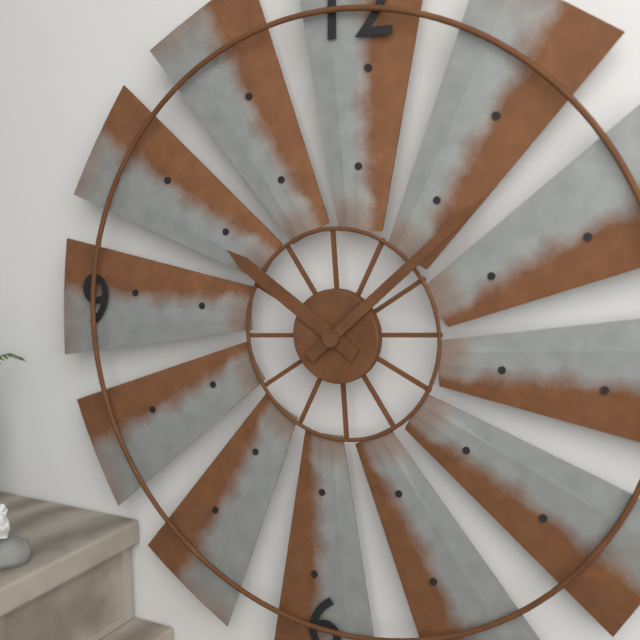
{"hour": 10, "minute": 8}
